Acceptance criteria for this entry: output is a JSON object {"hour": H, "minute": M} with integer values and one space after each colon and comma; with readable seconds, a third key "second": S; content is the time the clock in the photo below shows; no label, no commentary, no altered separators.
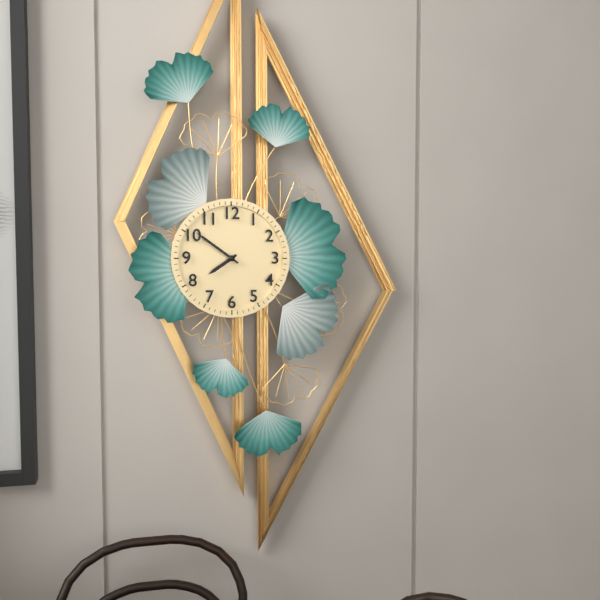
{"hour": 7, "minute": 51}
